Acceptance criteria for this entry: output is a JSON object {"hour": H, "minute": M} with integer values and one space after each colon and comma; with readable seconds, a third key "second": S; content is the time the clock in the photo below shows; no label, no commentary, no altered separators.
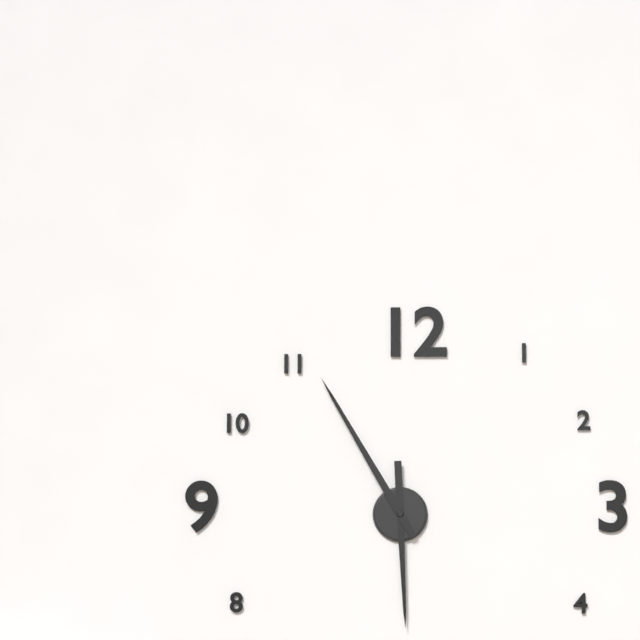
{"hour": 5, "minute": 55}
